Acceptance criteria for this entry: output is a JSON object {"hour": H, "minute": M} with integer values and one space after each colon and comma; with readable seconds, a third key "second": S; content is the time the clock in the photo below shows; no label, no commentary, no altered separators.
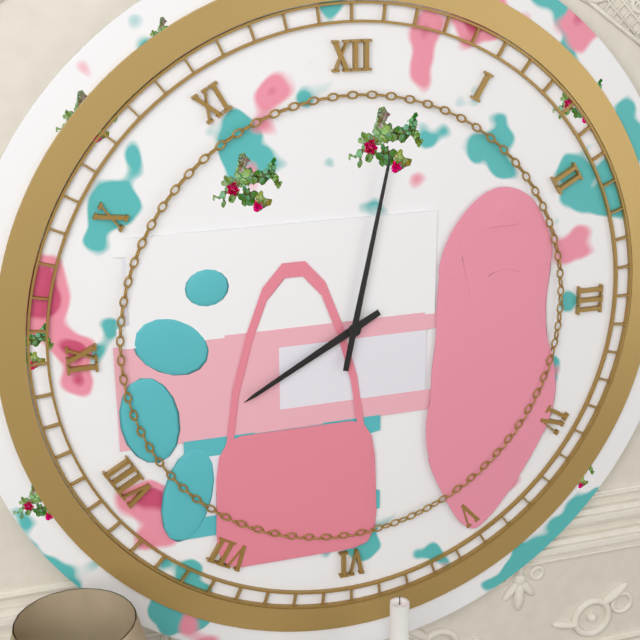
{"hour": 8, "minute": 2}
